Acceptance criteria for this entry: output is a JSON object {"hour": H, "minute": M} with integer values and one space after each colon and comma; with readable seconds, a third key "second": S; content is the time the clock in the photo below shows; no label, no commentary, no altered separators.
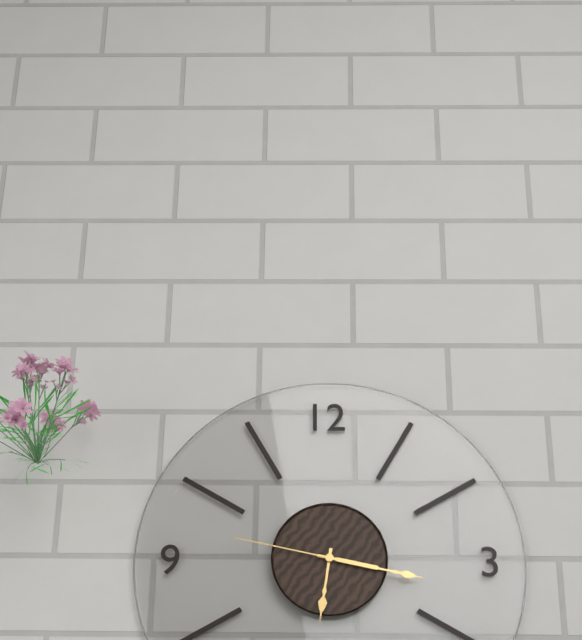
{"hour": 6, "minute": 17, "second": 47}
